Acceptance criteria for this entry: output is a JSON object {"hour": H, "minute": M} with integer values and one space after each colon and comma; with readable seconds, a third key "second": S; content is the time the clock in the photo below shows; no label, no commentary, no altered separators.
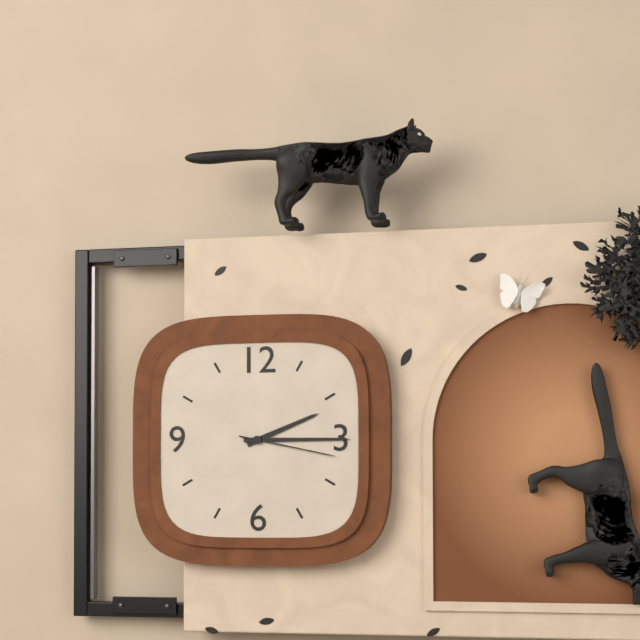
{"hour": 2, "minute": 15, "second": 17}
